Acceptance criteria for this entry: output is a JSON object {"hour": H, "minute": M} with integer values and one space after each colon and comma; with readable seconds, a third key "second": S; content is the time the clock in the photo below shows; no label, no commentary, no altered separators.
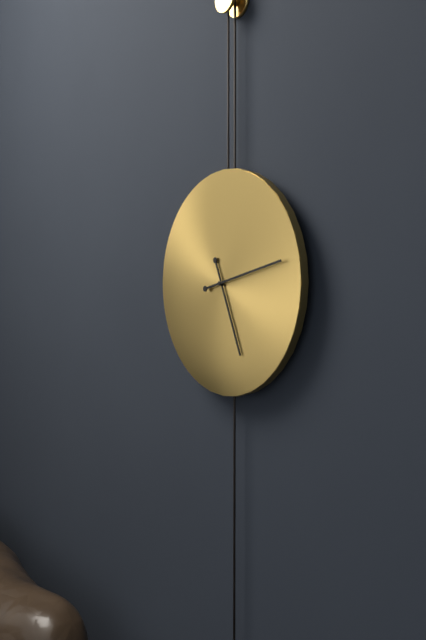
{"hour": 5, "minute": 13}
